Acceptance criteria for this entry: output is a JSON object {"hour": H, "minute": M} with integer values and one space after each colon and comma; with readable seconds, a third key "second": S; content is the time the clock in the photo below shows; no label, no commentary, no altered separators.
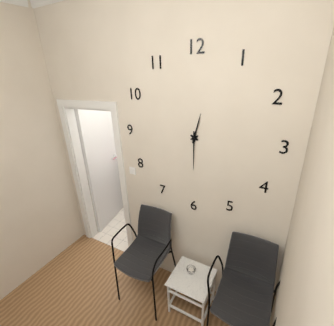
{"hour": 12, "minute": 30}
